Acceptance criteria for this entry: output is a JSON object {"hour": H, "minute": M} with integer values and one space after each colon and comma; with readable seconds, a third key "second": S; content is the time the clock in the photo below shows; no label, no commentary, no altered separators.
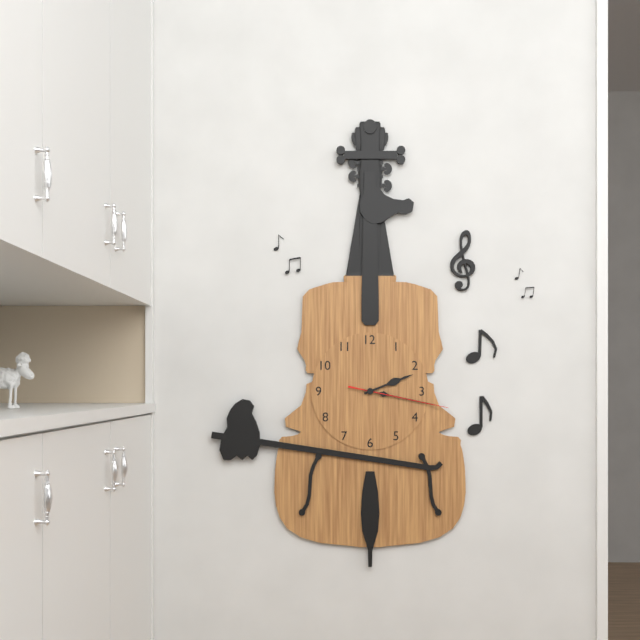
{"hour": 2, "minute": 17, "second": 17}
